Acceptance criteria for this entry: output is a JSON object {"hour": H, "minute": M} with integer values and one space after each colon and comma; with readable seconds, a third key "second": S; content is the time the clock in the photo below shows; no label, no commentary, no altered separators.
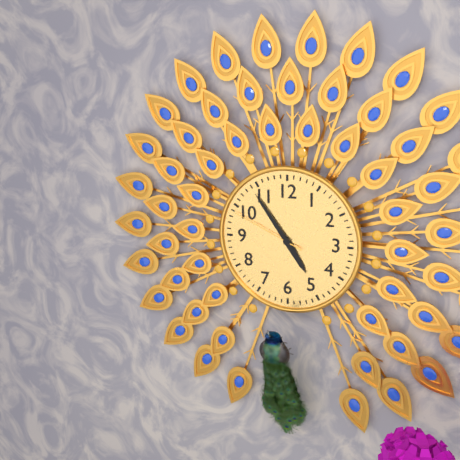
{"hour": 4, "minute": 54, "second": 49}
